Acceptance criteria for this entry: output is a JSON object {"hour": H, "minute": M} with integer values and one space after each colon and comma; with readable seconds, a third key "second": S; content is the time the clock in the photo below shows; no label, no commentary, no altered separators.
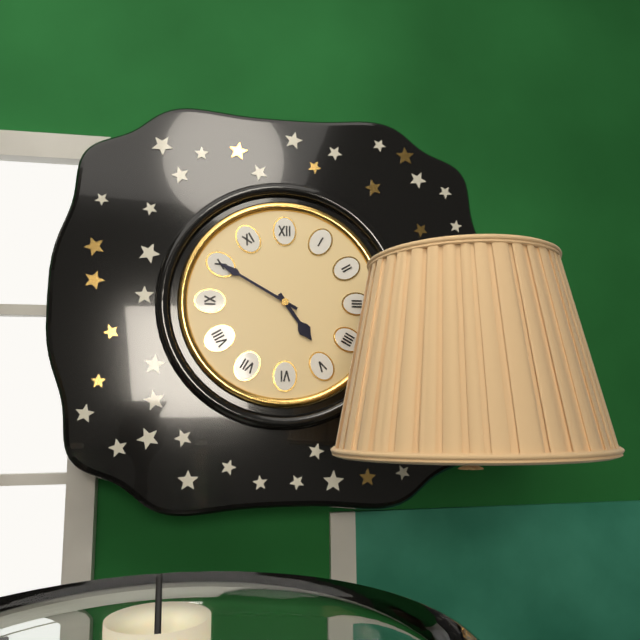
{"hour": 4, "minute": 50}
